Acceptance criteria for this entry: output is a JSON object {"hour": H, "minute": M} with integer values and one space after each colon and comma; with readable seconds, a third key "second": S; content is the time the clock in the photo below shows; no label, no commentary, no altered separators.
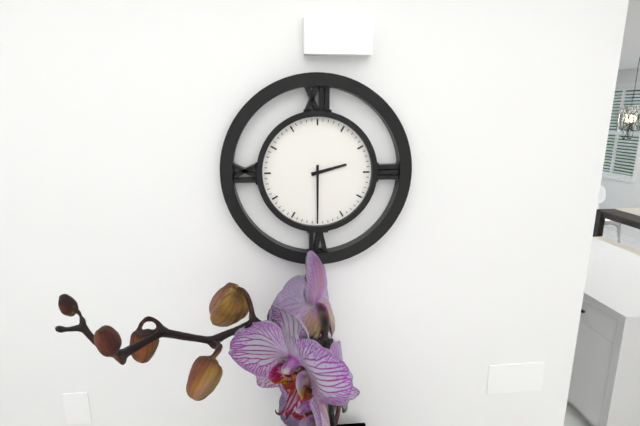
{"hour": 2, "minute": 30}
